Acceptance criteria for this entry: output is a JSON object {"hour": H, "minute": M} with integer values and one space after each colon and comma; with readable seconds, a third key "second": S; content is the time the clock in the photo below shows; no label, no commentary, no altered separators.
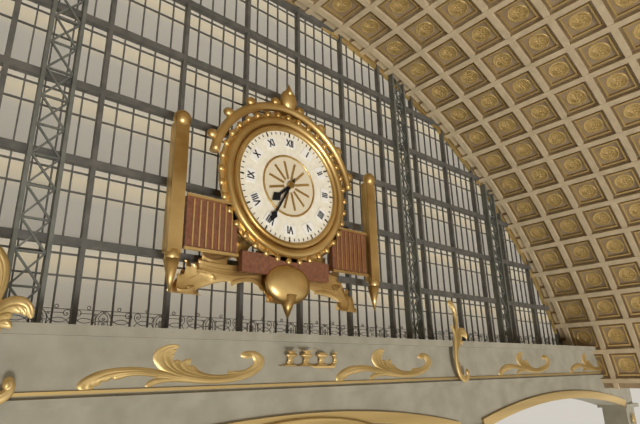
{"hour": 7, "minute": 35}
